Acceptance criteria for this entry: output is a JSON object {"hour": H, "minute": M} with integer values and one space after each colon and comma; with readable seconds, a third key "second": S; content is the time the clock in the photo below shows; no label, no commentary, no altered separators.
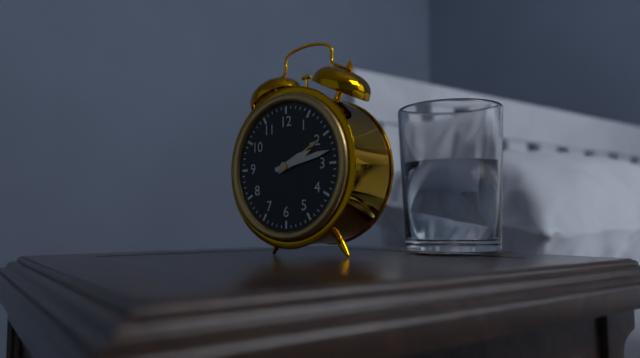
{"hour": 2, "minute": 13}
